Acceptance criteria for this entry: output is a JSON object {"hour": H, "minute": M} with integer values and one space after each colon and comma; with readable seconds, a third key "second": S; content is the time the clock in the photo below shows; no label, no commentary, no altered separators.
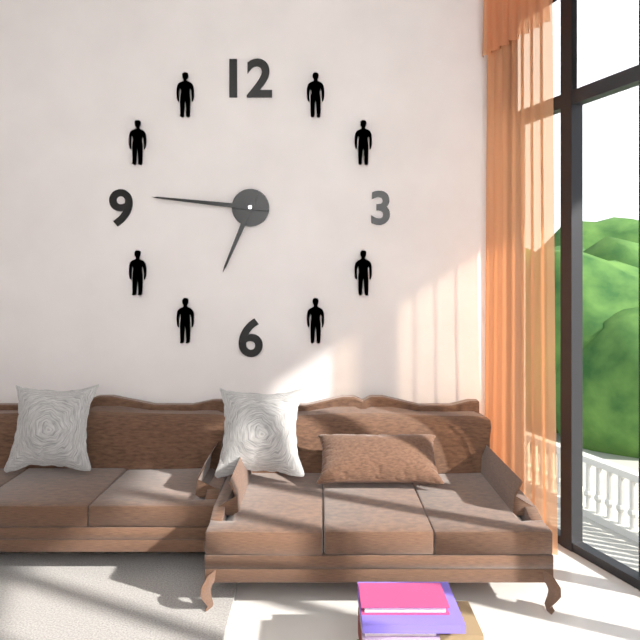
{"hour": 6, "minute": 46}
